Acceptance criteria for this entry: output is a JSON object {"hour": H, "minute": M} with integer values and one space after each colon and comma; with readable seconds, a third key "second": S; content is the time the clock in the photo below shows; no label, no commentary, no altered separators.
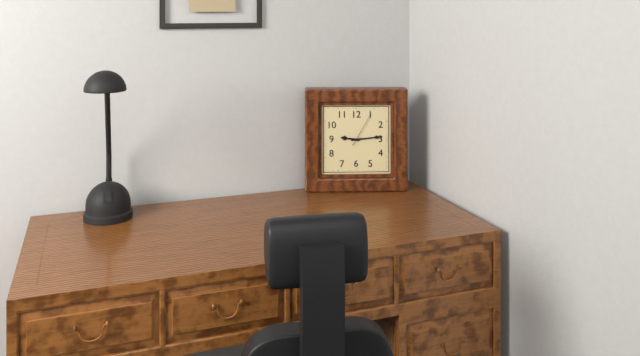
{"hour": 9, "minute": 14}
